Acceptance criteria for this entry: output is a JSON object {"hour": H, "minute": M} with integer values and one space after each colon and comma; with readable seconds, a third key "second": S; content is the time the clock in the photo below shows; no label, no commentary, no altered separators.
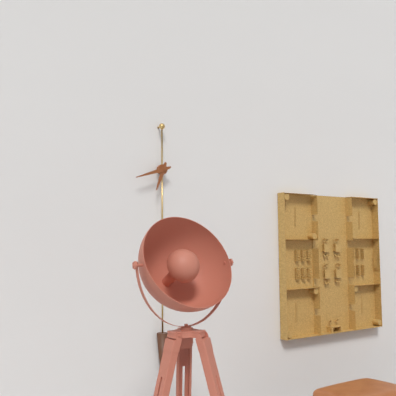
{"hour": 6, "minute": 42}
